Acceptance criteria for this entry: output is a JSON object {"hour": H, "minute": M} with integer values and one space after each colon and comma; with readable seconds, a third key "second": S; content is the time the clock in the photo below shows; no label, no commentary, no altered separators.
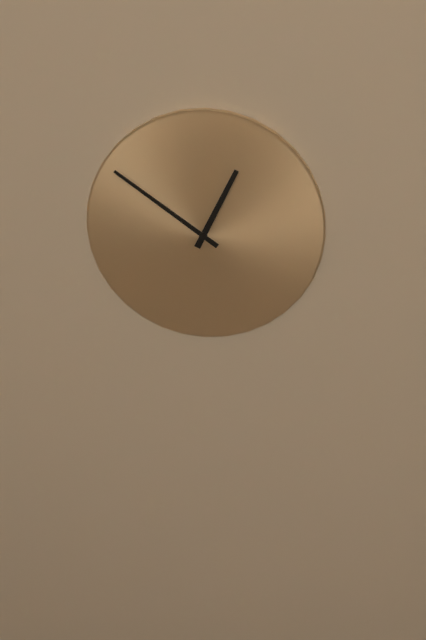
{"hour": 12, "minute": 51}
